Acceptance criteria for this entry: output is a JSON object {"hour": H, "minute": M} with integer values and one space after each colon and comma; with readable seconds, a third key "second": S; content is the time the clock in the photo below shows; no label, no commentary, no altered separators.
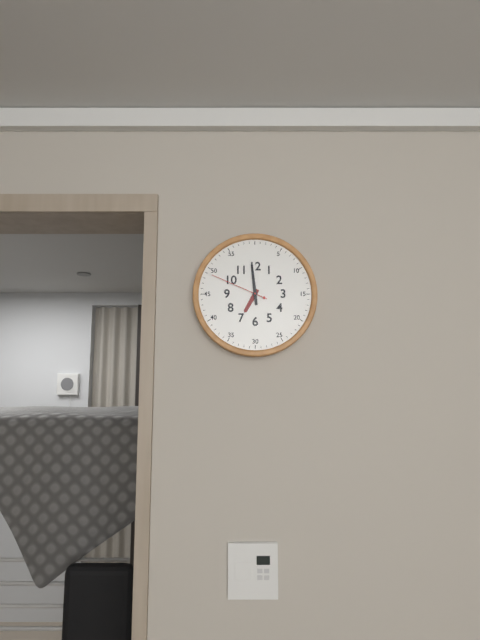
{"hour": 6, "minute": 59, "second": 49}
